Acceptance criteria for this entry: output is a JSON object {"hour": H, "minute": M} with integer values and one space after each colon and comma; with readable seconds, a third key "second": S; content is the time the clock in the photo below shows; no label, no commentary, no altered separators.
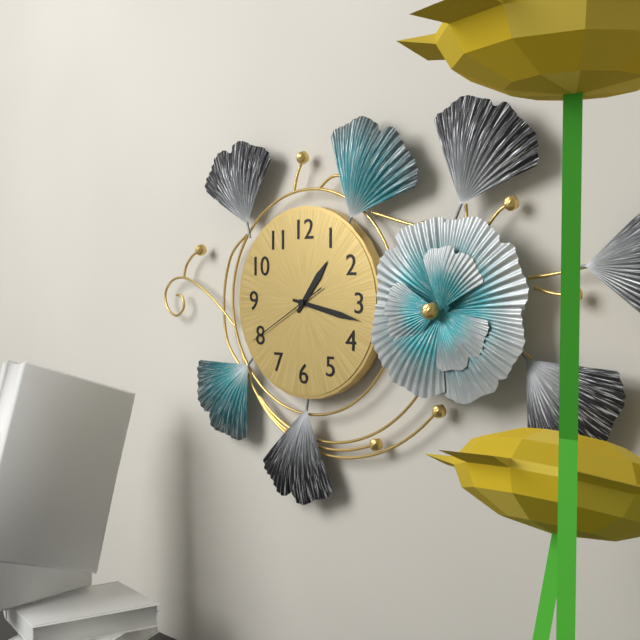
{"hour": 1, "minute": 17, "second": 40}
